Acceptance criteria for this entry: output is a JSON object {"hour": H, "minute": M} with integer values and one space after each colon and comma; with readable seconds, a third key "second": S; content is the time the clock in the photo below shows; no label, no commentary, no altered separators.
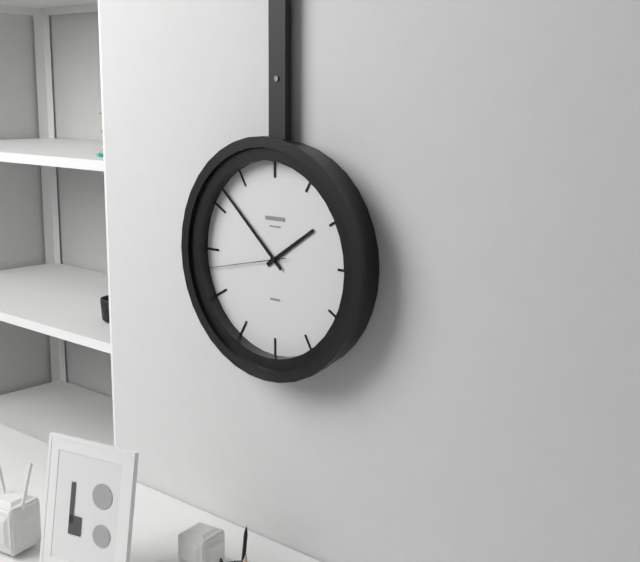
{"hour": 1, "minute": 52, "second": 43}
